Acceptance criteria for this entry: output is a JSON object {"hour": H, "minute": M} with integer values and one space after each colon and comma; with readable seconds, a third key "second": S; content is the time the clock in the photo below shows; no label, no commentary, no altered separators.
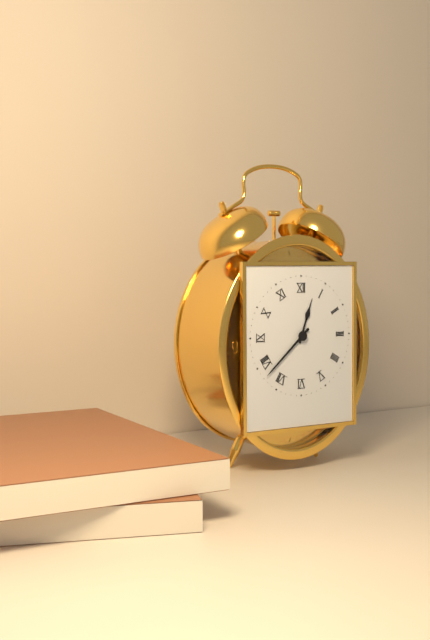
{"hour": 12, "minute": 38}
